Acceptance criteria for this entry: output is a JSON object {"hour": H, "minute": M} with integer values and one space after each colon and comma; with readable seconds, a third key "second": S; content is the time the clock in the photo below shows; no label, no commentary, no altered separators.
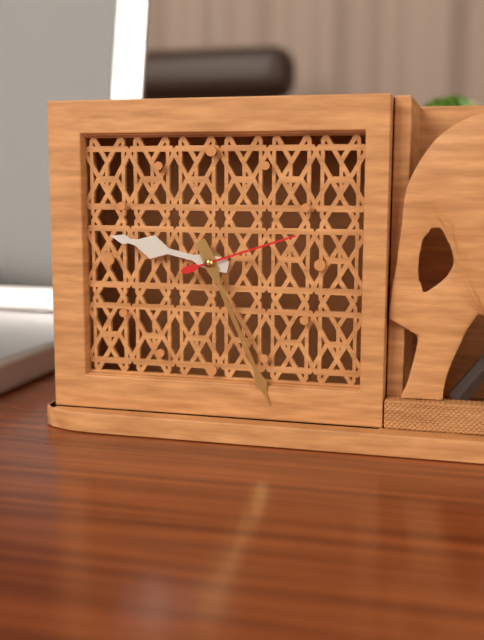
{"hour": 9, "minute": 26, "second": 12}
